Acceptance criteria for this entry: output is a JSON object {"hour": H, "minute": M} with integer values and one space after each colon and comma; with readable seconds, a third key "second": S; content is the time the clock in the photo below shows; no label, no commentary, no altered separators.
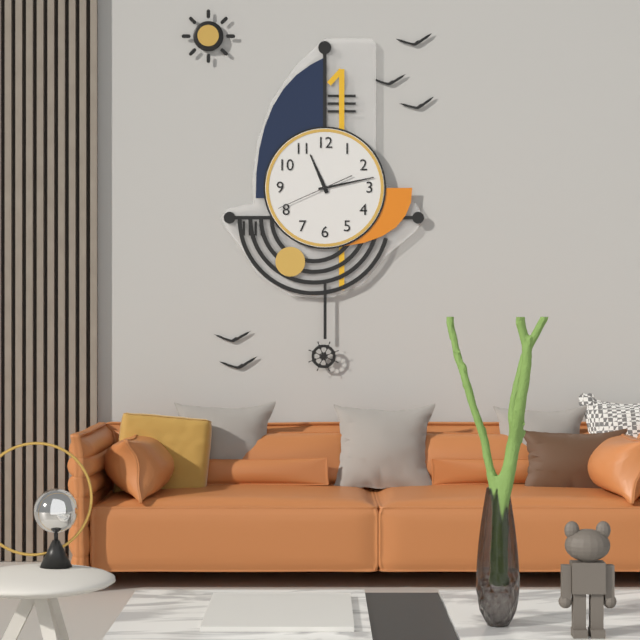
{"hour": 11, "minute": 13, "second": 41}
